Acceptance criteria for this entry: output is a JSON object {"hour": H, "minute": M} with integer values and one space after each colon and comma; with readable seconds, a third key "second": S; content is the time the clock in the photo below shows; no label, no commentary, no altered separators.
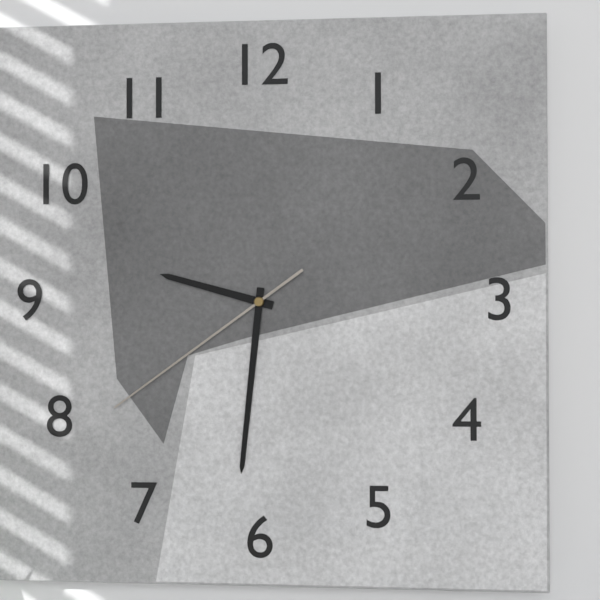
{"hour": 9, "minute": 31, "second": 39}
